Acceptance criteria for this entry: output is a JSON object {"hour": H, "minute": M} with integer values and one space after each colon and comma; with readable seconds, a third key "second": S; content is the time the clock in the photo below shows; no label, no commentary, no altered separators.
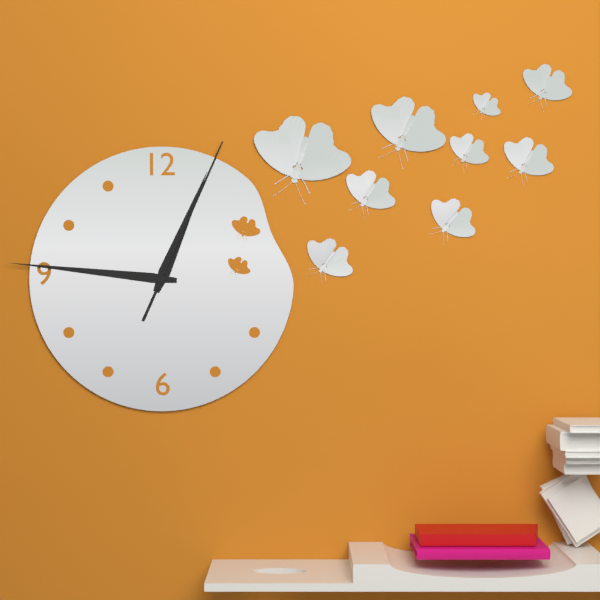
{"hour": 12, "minute": 46, "second": 4}
